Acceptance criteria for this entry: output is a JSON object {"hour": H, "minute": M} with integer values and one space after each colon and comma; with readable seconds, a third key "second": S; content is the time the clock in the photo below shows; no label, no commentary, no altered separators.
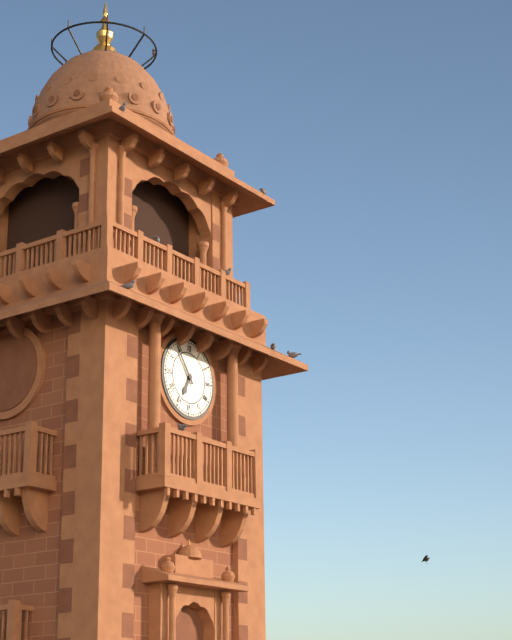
{"hour": 6, "minute": 54}
